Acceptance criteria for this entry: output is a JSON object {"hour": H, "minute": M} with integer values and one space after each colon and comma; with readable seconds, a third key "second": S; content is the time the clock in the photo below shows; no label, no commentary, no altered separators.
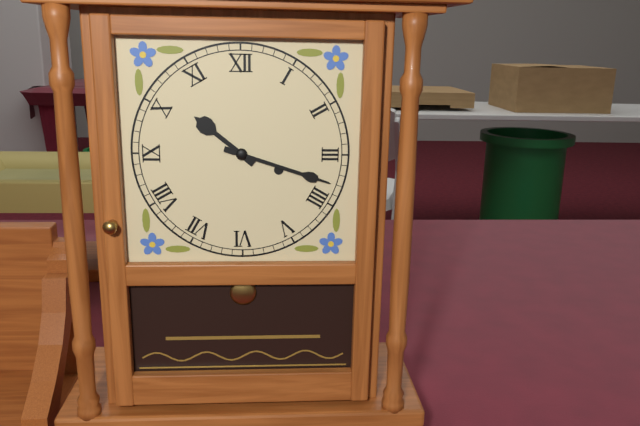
{"hour": 10, "minute": 18}
